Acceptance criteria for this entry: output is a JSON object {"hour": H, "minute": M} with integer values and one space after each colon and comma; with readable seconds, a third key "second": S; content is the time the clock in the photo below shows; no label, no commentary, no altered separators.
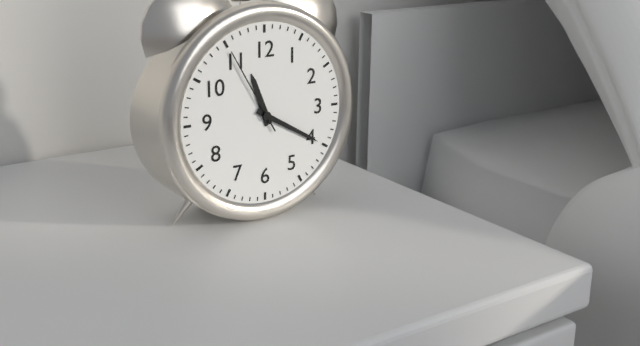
{"hour": 11, "minute": 20, "second": 55}
